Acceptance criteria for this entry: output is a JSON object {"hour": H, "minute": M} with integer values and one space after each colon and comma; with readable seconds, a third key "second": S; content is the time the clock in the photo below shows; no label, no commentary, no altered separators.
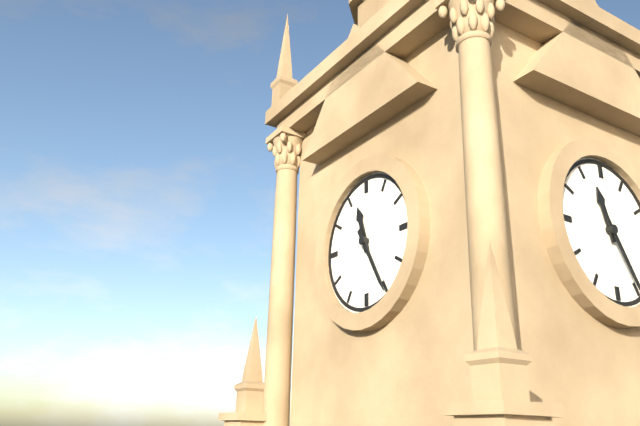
{"hour": 11, "minute": 25}
